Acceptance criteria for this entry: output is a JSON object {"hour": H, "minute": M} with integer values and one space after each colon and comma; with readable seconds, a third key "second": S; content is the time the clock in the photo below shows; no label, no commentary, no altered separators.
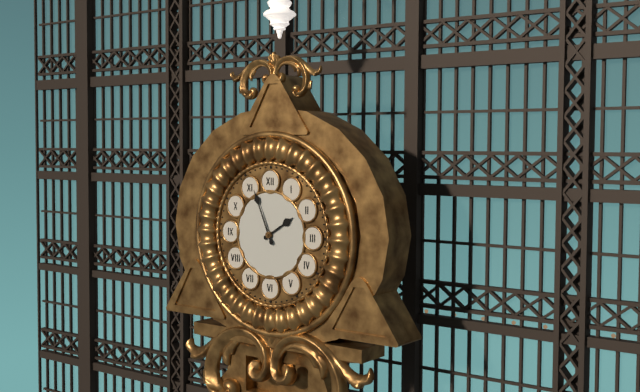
{"hour": 1, "minute": 56}
